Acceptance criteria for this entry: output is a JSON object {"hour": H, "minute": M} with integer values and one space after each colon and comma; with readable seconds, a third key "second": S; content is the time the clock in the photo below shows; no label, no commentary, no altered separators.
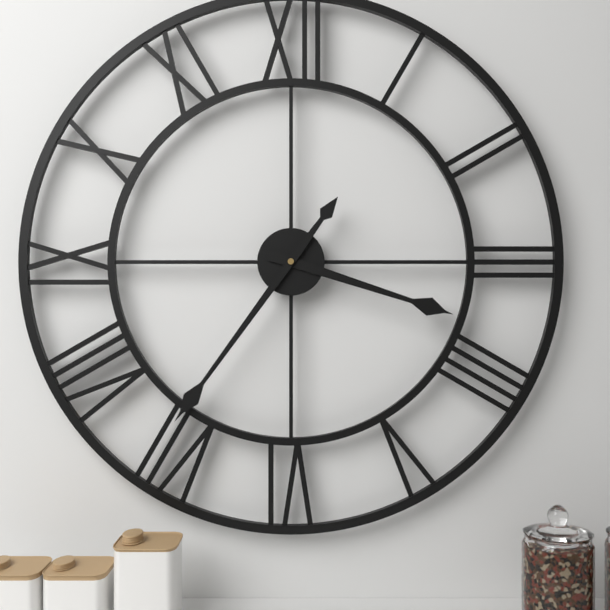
{"hour": 3, "minute": 36}
